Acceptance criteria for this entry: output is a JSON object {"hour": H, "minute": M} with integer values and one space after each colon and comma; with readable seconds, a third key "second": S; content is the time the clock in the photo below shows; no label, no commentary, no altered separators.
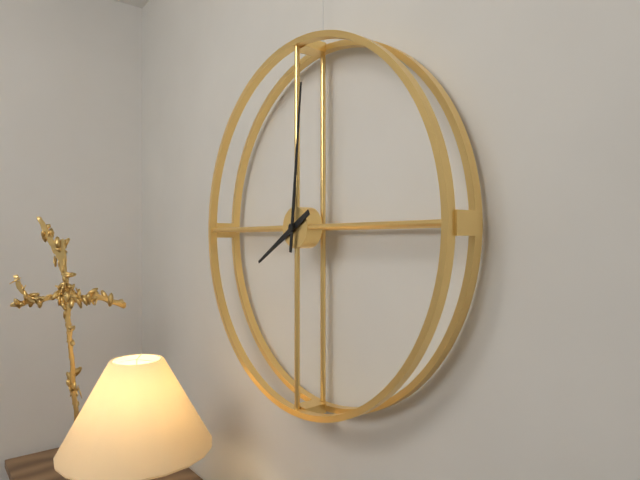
{"hour": 8, "minute": 1}
